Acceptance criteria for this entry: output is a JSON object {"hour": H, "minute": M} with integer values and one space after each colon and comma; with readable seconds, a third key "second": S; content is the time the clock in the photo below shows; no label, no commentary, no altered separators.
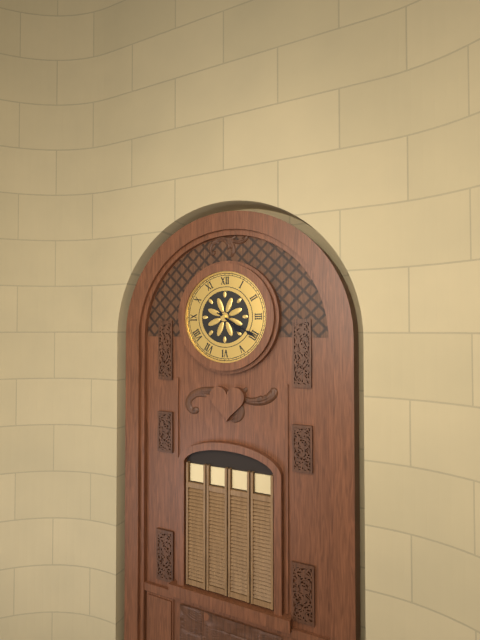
{"hour": 4, "minute": 20}
